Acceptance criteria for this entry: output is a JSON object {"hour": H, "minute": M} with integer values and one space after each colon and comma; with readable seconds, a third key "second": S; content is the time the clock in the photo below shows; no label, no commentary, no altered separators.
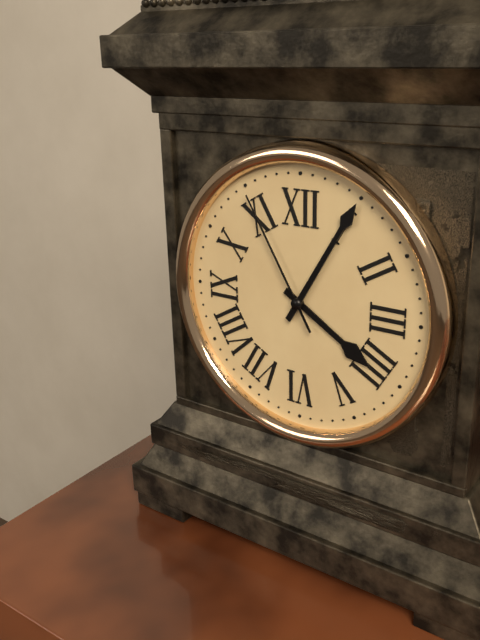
{"hour": 4, "minute": 5, "second": 55}
